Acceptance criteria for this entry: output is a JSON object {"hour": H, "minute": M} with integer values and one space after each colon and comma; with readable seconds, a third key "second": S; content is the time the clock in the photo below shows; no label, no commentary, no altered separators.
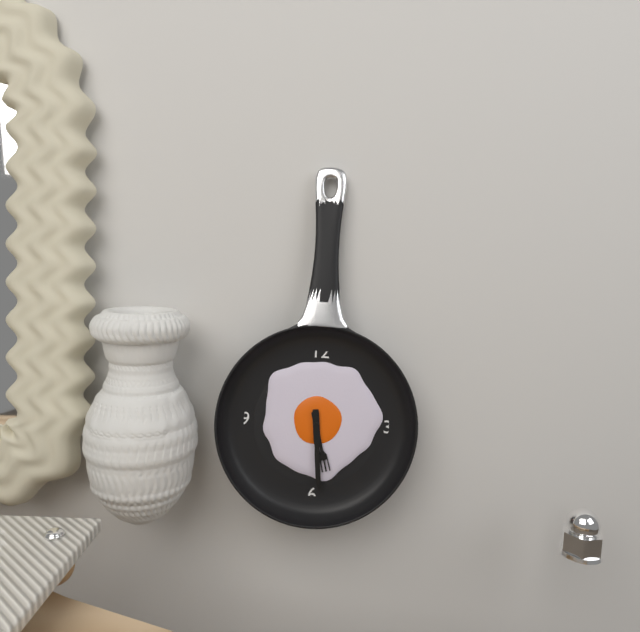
{"hour": 5, "minute": 29}
